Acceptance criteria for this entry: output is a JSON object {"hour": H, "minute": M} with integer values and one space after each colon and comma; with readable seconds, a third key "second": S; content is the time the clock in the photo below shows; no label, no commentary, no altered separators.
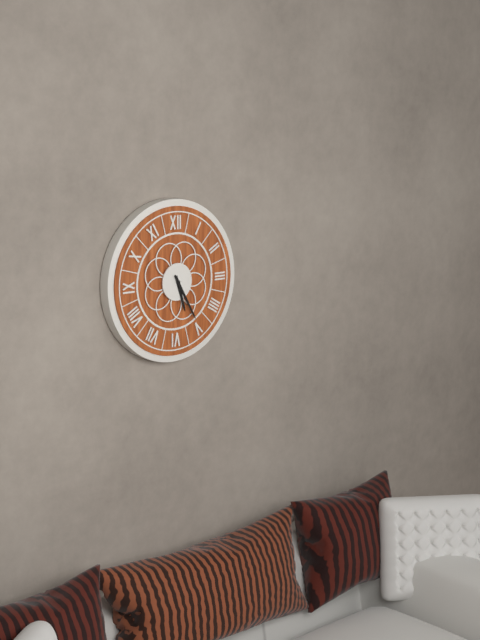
{"hour": 5, "minute": 25}
